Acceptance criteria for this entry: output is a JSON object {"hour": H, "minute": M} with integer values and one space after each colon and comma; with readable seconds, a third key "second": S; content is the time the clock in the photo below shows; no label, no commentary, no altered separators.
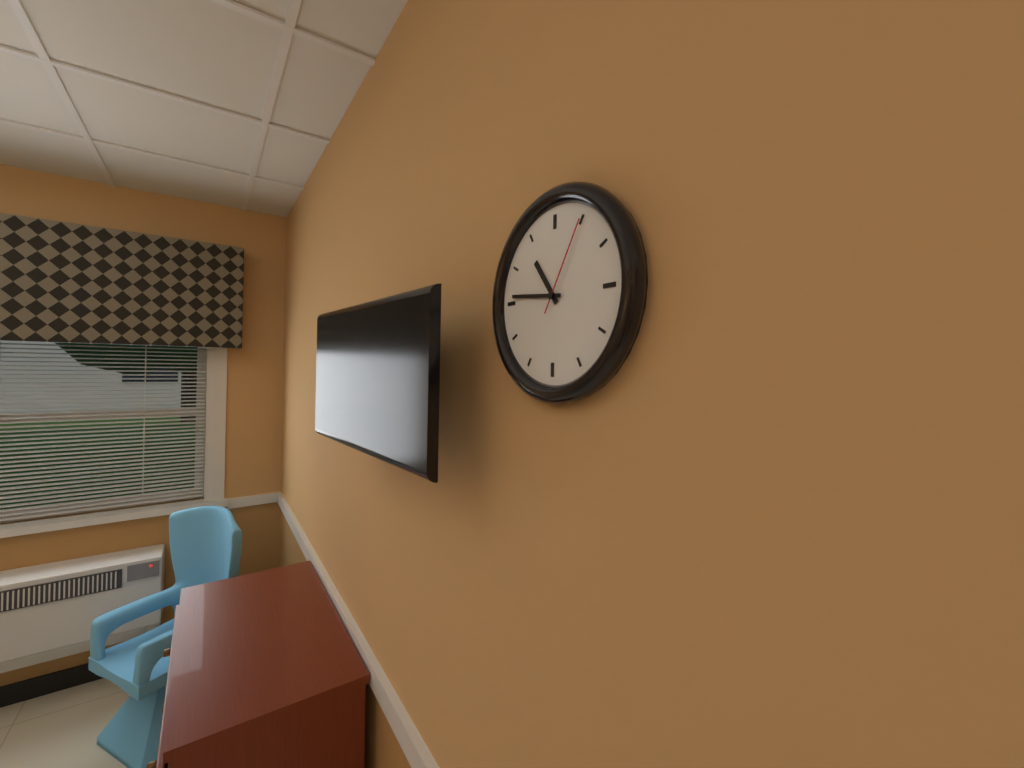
{"hour": 10, "minute": 46, "second": 5}
